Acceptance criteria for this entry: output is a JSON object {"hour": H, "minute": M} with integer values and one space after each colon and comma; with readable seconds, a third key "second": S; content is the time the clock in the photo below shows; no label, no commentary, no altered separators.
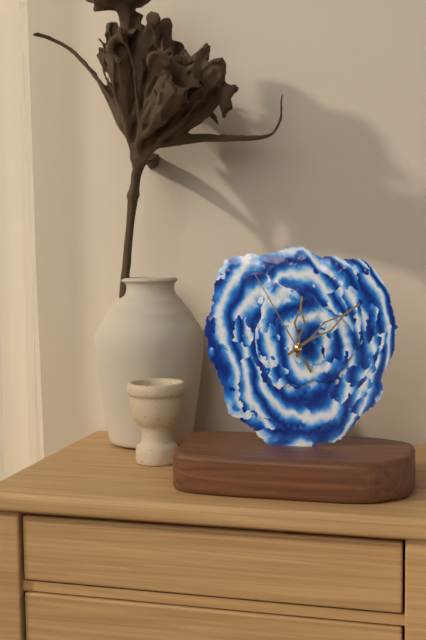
{"hour": 12, "minute": 9, "second": 55}
